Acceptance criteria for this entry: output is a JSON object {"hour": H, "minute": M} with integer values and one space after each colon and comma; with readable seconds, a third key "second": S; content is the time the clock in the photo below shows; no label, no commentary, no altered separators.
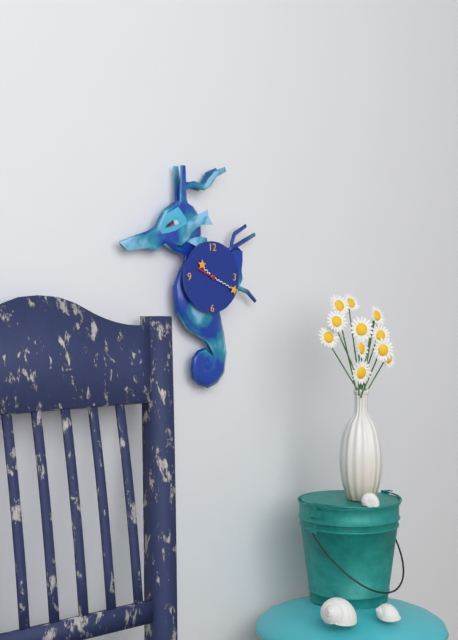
{"hour": 10, "minute": 19}
